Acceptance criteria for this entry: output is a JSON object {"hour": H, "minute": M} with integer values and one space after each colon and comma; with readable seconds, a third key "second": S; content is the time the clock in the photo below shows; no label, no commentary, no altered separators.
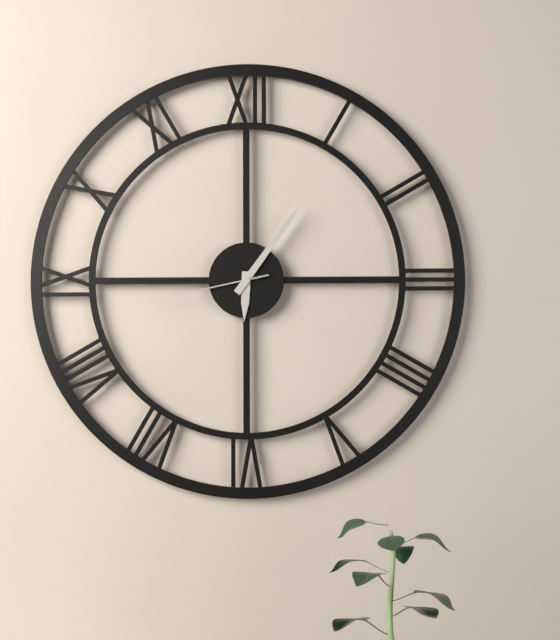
{"hour": 6, "minute": 6, "second": 43}
